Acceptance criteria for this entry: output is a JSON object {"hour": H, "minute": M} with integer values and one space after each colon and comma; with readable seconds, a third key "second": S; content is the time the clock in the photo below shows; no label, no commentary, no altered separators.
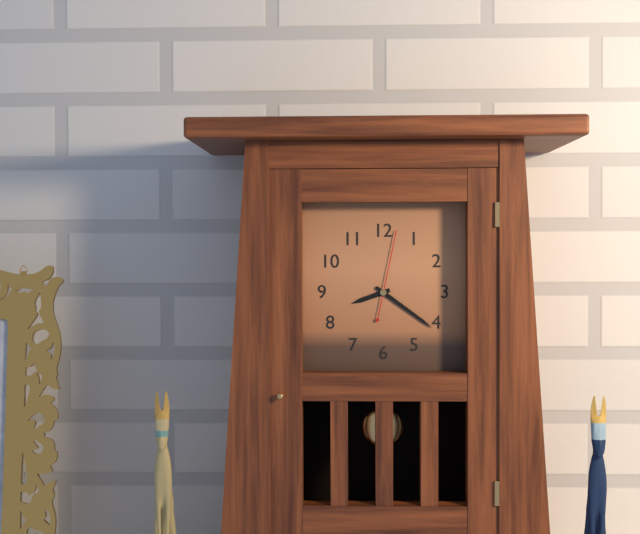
{"hour": 8, "minute": 21, "second": 2}
